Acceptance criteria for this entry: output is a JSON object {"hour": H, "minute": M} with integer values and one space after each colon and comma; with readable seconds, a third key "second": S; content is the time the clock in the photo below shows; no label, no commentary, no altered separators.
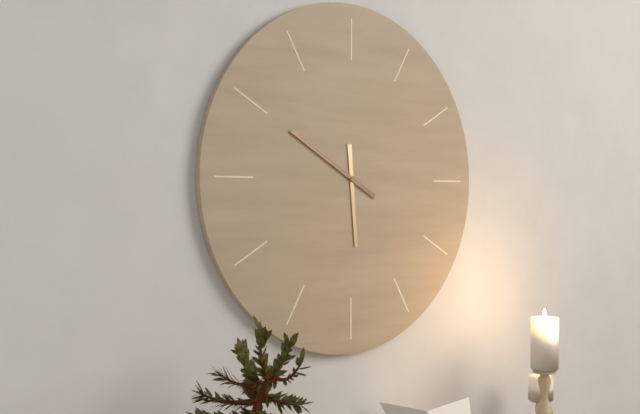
{"hour": 5, "minute": 50}
